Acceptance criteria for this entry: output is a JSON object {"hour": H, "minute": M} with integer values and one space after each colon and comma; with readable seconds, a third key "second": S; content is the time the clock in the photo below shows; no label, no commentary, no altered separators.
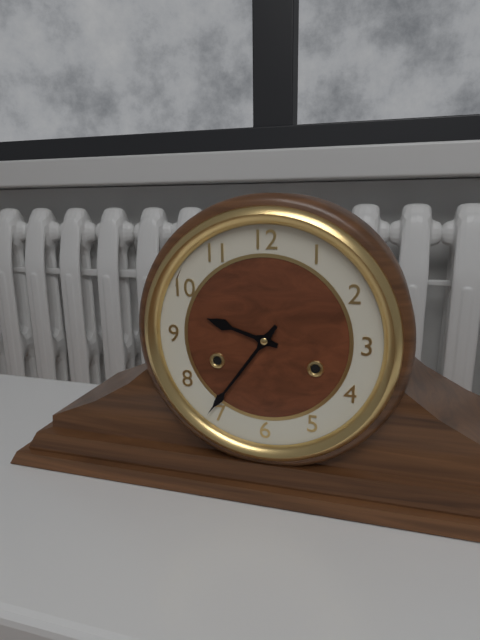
{"hour": 9, "minute": 36}
